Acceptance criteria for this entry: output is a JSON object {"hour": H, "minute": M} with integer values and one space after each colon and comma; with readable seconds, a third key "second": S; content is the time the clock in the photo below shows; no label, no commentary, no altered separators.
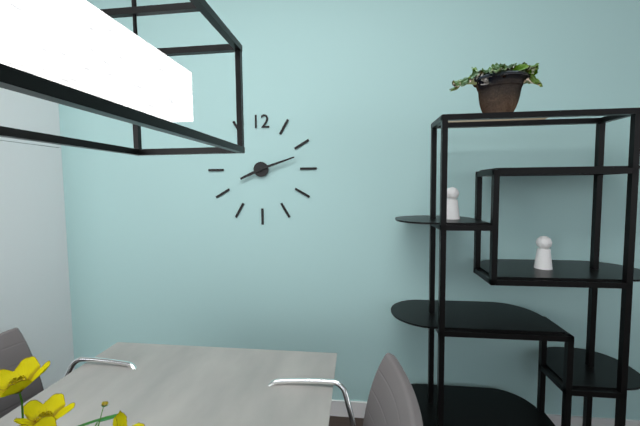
{"hour": 8, "minute": 12}
